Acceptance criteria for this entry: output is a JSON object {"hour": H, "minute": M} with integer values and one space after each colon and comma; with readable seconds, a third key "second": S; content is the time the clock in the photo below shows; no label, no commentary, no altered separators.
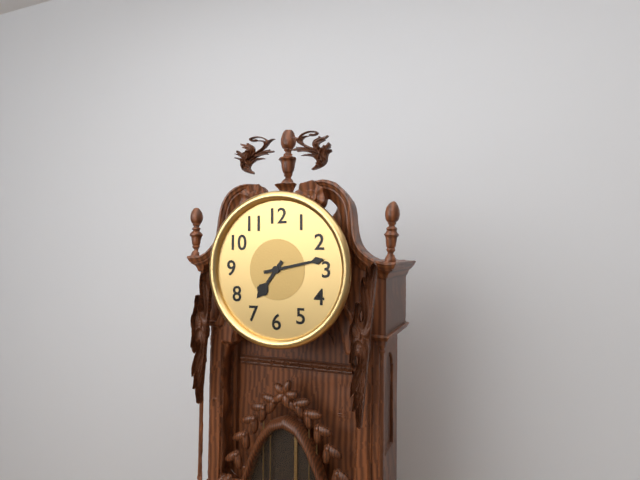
{"hour": 7, "minute": 13}
